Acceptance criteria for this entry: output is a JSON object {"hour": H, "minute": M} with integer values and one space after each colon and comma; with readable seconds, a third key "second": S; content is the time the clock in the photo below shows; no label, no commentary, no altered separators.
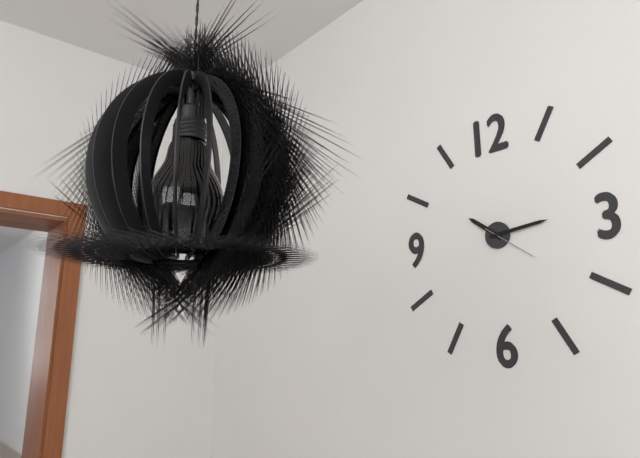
{"hour": 10, "minute": 14, "second": 21}
